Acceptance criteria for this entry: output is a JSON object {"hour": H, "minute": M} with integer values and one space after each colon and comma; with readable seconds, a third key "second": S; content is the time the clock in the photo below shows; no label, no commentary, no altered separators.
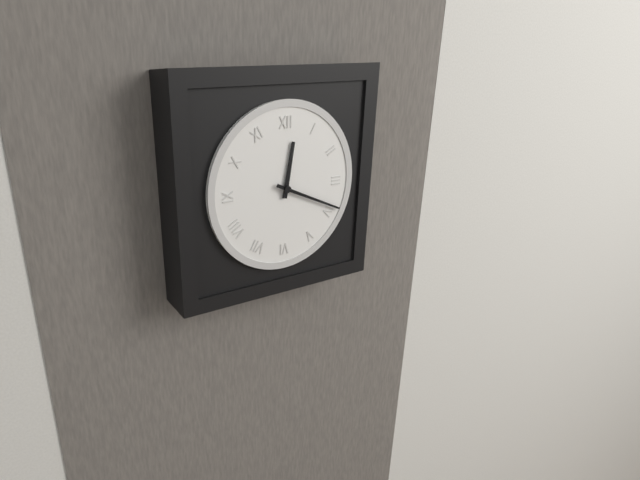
{"hour": 12, "minute": 19}
